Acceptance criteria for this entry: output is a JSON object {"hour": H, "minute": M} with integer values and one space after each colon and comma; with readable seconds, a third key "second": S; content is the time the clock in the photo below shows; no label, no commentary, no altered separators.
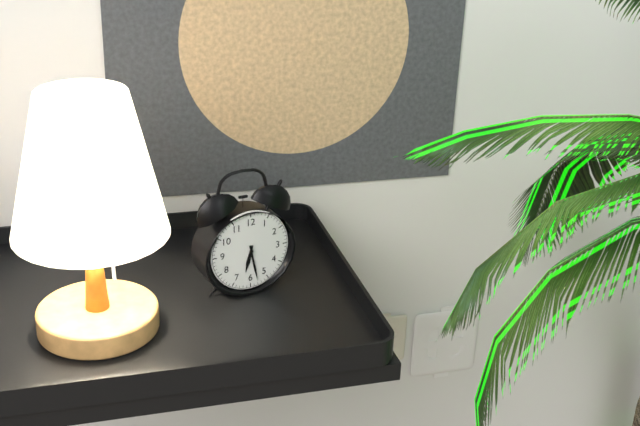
{"hour": 6, "minute": 28}
